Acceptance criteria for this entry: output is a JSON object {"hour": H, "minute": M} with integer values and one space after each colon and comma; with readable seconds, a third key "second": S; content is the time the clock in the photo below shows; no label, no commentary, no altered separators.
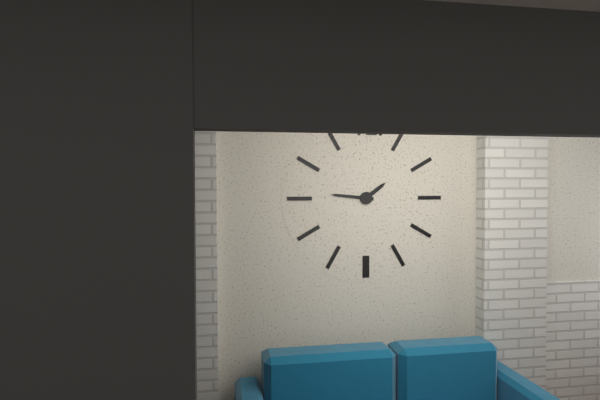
{"hour": 1, "minute": 46}
